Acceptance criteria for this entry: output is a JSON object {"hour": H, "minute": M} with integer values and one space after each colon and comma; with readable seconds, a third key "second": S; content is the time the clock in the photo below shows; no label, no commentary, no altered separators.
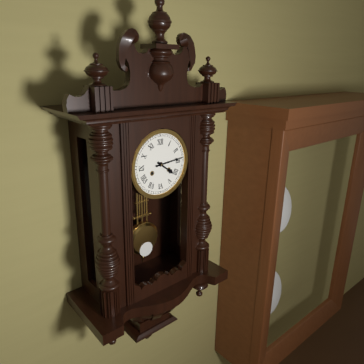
{"hour": 4, "minute": 14}
